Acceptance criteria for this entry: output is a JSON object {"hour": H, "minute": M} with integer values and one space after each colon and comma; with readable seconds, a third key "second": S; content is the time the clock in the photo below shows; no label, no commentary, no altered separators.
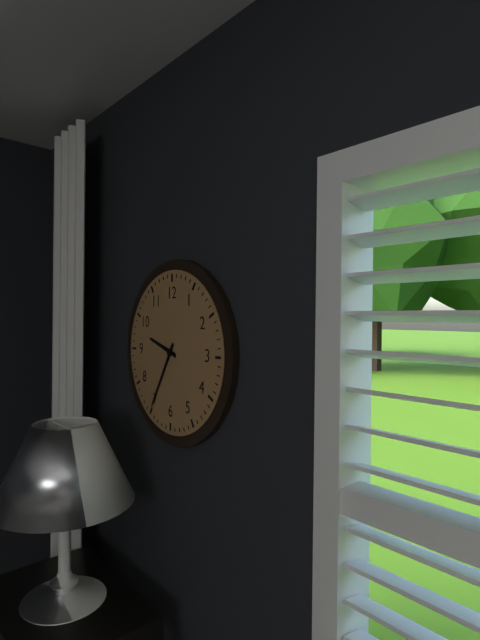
{"hour": 9, "minute": 35}
